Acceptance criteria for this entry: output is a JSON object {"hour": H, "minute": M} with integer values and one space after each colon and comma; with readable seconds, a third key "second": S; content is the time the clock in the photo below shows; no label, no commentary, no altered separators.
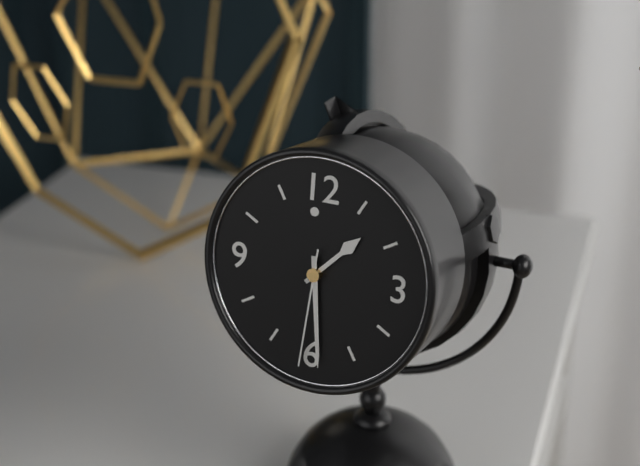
{"hour": 1, "minute": 29, "second": 31}
